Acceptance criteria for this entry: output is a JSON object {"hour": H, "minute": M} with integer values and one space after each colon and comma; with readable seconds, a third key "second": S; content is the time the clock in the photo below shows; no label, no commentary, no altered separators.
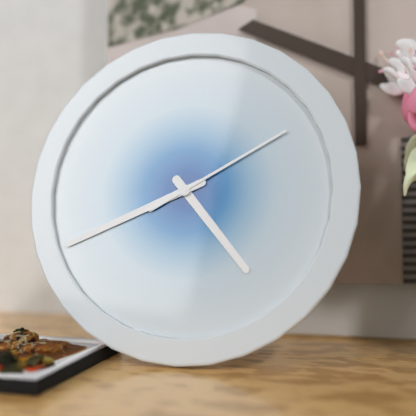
{"hour": 4, "minute": 41, "second": 10}
